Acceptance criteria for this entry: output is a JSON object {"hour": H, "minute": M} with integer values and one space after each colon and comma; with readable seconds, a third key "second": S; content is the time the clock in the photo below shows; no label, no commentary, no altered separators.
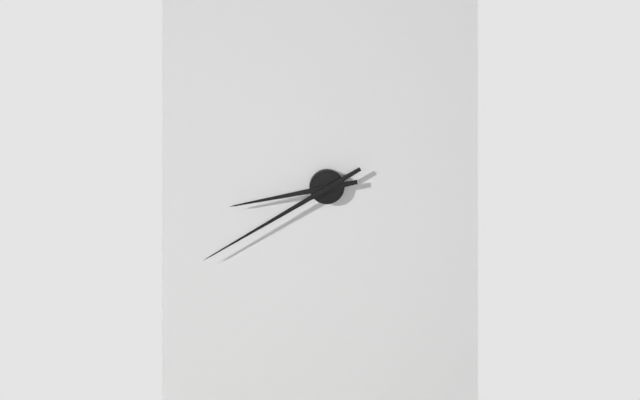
{"hour": 8, "minute": 40}
